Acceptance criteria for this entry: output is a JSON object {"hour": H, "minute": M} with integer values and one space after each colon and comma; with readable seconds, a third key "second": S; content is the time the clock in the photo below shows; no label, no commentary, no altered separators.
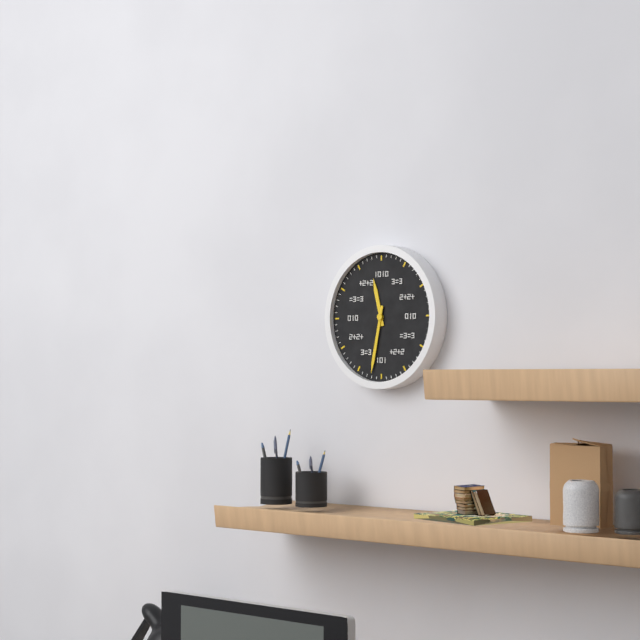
{"hour": 11, "minute": 32}
